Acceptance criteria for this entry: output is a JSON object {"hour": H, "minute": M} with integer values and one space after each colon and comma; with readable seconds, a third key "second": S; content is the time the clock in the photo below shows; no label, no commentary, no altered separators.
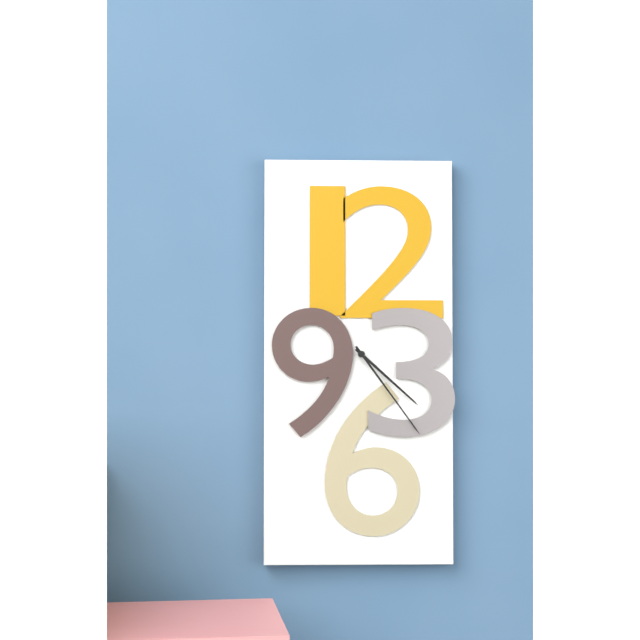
{"hour": 4, "minute": 24}
